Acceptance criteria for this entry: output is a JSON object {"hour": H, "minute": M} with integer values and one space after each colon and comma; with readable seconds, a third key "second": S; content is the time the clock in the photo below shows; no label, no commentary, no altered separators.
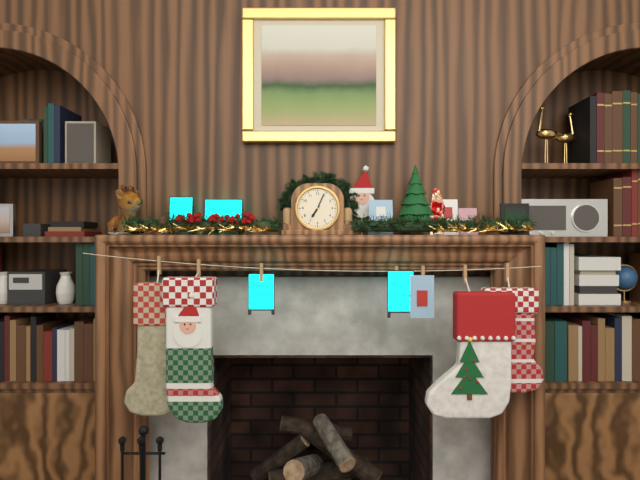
{"hour": 7, "minute": 4}
